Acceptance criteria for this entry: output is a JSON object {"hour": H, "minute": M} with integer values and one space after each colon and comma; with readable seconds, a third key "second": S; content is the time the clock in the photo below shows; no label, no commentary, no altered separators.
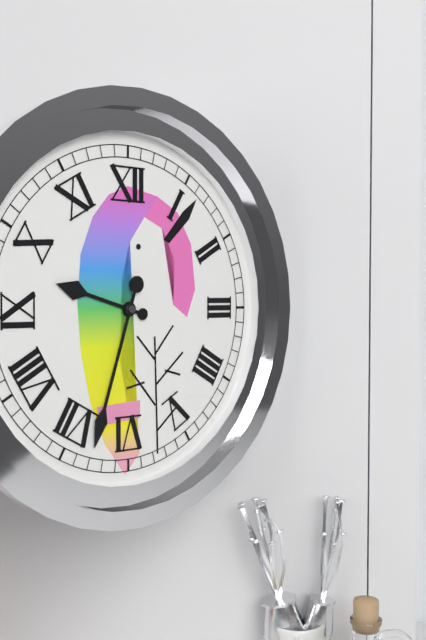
{"hour": 9, "minute": 33}
